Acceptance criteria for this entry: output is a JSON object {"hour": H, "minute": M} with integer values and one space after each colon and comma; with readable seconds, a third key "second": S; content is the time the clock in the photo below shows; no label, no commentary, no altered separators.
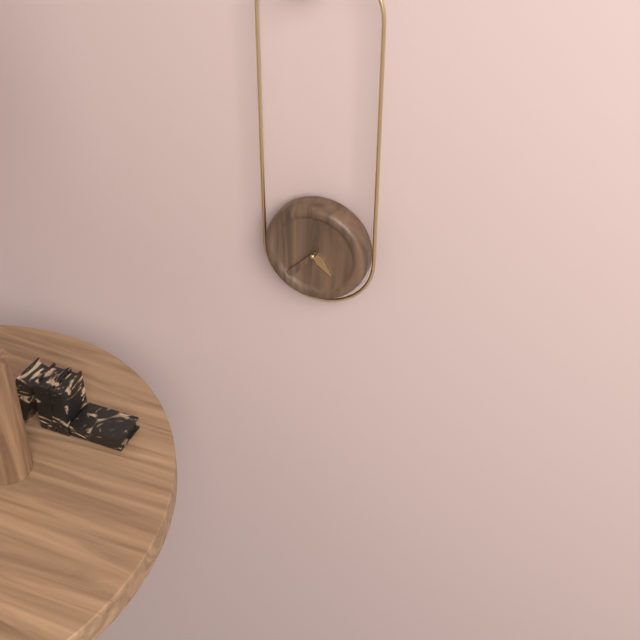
{"hour": 4, "minute": 37}
